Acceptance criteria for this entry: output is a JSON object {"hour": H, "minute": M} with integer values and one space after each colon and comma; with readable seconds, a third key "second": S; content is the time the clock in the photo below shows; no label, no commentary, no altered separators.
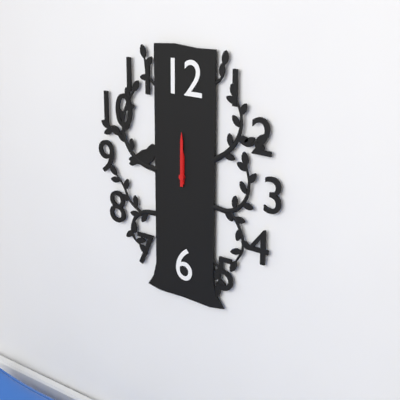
{"hour": 12, "minute": 0}
